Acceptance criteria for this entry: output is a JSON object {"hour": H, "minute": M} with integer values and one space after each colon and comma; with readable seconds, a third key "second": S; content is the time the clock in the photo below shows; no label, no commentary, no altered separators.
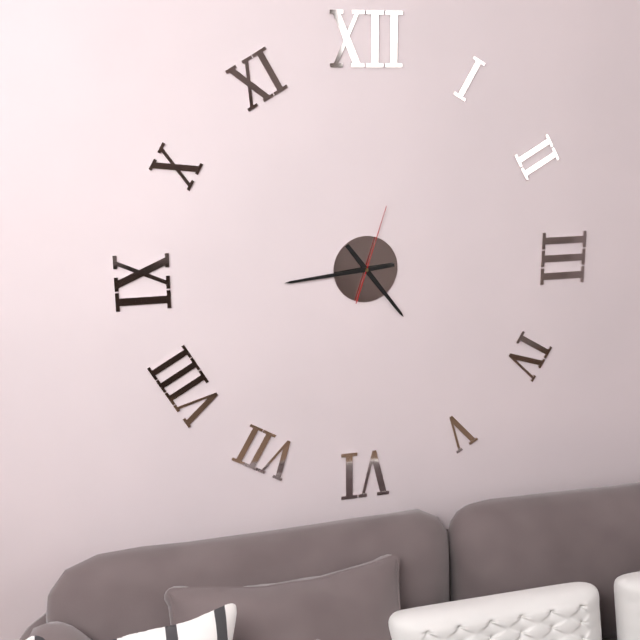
{"hour": 4, "minute": 44, "second": 3}
